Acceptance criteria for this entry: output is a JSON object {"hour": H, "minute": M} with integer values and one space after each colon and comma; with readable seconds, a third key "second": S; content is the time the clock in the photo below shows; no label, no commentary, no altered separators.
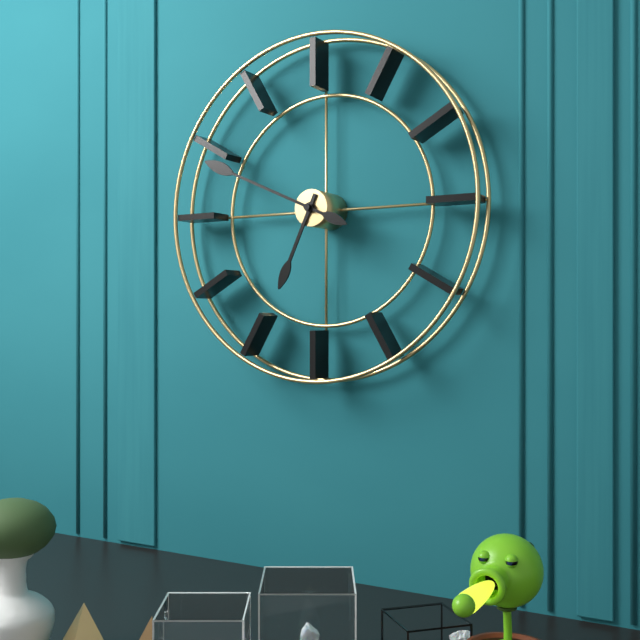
{"hour": 6, "minute": 49}
